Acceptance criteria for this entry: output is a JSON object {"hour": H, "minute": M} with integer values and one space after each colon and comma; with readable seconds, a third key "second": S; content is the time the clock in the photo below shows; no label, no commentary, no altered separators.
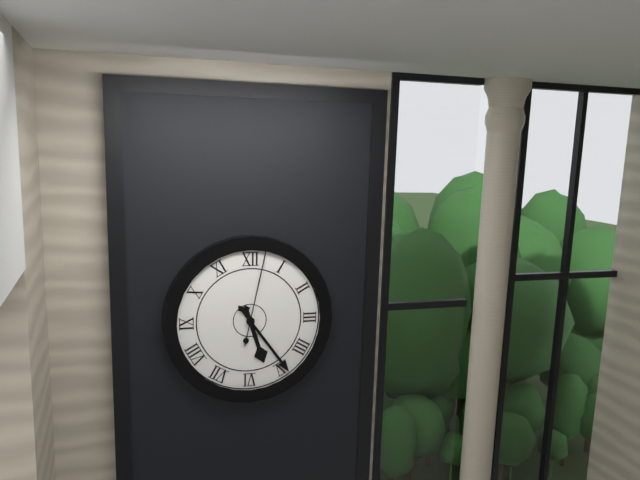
{"hour": 5, "minute": 24, "second": 2}
